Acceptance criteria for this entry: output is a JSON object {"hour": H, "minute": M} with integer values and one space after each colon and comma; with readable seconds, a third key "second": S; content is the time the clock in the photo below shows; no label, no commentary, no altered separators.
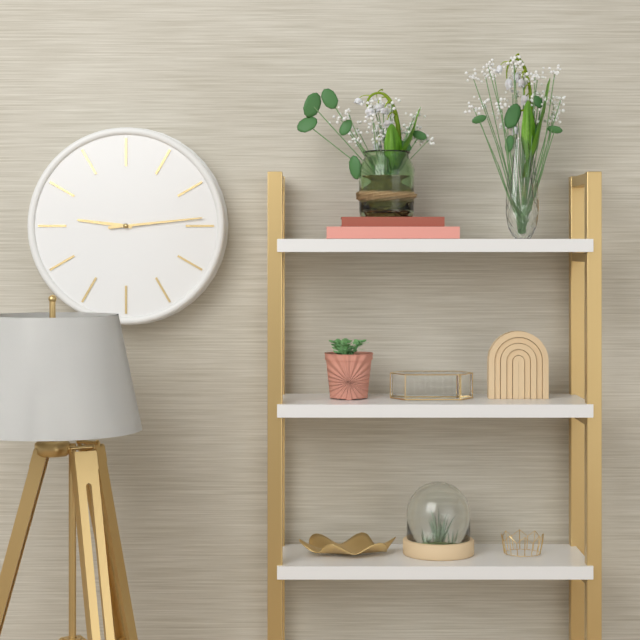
{"hour": 9, "minute": 14}
